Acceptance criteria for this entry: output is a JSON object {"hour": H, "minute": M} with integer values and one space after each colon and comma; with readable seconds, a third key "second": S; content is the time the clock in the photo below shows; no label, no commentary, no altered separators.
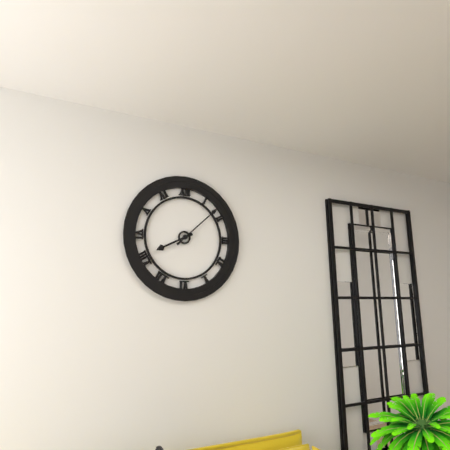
{"hour": 8, "minute": 8}
